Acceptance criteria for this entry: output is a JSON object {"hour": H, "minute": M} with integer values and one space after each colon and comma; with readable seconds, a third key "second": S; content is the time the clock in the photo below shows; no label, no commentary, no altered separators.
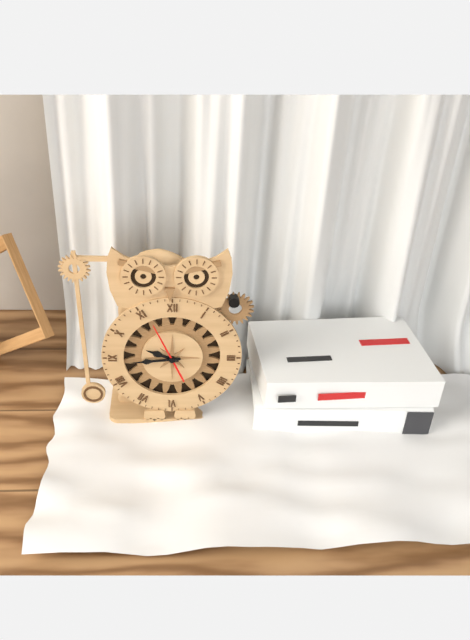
{"hour": 9, "minute": 44}
